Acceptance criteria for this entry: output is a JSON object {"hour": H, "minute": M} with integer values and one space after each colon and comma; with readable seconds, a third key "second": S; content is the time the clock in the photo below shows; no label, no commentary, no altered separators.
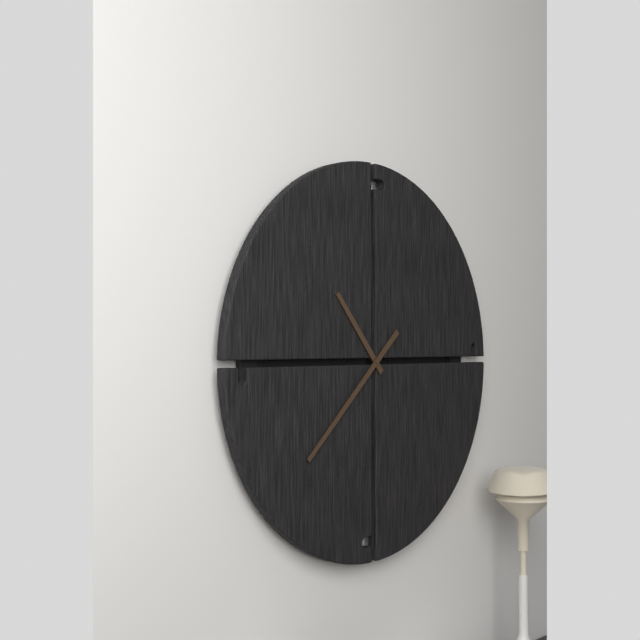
{"hour": 10, "minute": 38}
